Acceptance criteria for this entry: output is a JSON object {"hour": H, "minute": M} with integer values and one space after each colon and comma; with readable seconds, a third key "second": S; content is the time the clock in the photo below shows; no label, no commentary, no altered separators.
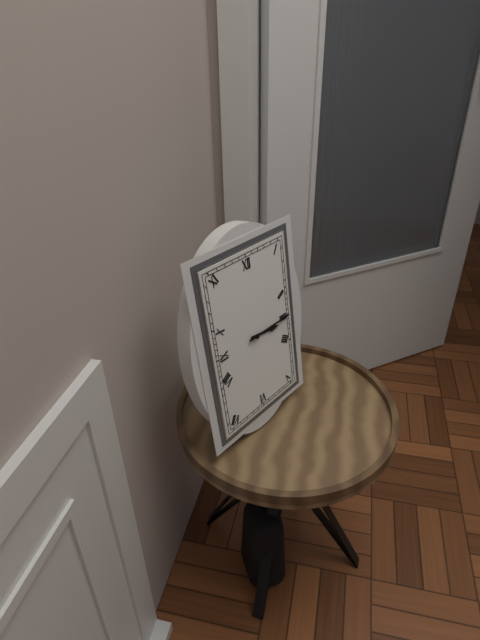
{"hour": 3, "minute": 15}
